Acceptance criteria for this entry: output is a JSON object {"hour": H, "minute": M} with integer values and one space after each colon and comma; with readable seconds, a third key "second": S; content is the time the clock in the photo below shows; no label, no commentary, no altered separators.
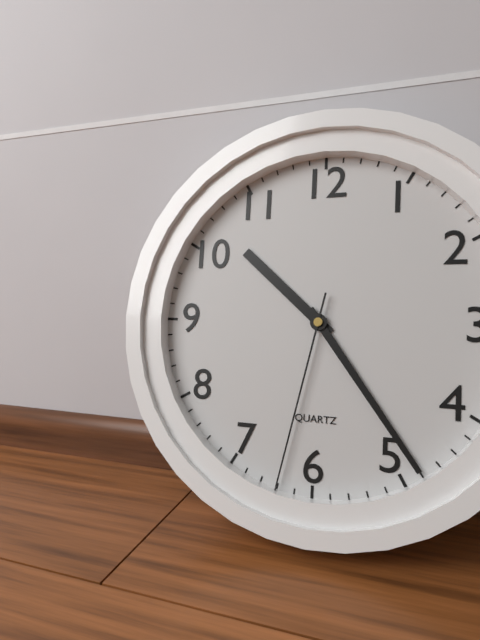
{"hour": 10, "minute": 24, "second": 32}
